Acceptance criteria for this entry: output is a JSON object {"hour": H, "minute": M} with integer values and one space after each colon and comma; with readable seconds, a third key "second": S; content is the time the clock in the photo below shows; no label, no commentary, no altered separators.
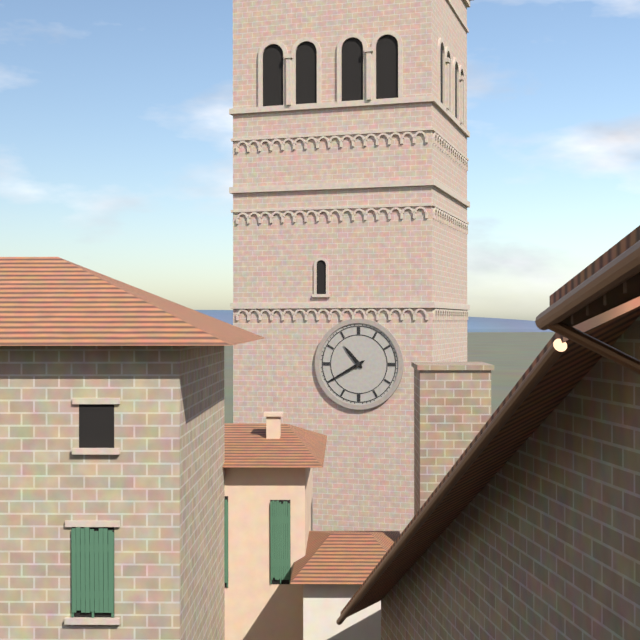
{"hour": 10, "minute": 40}
